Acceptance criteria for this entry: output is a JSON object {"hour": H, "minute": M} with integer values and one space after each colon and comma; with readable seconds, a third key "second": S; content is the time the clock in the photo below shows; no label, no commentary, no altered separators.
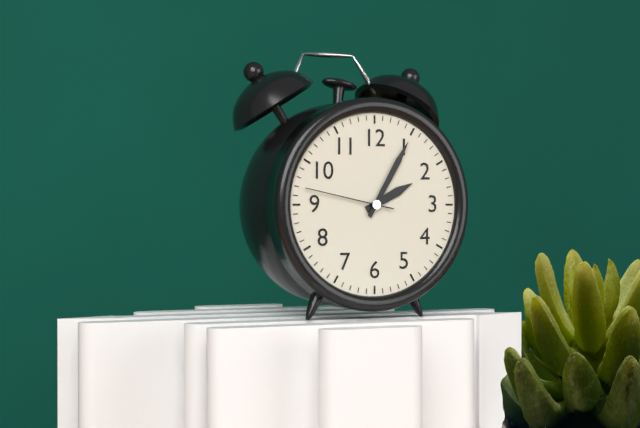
{"hour": 2, "minute": 5, "second": 47}
